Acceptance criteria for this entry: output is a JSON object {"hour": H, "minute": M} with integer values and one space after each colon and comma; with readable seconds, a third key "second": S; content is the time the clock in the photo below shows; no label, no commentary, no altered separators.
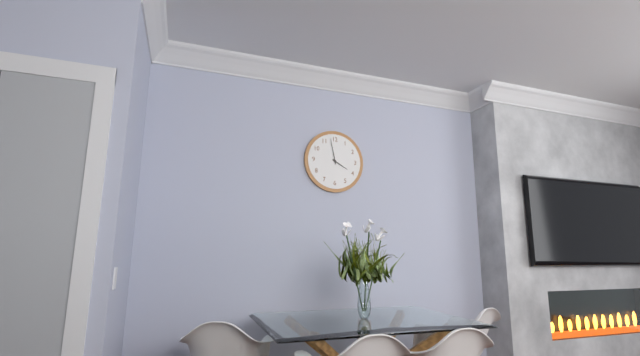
{"hour": 3, "minute": 58}
